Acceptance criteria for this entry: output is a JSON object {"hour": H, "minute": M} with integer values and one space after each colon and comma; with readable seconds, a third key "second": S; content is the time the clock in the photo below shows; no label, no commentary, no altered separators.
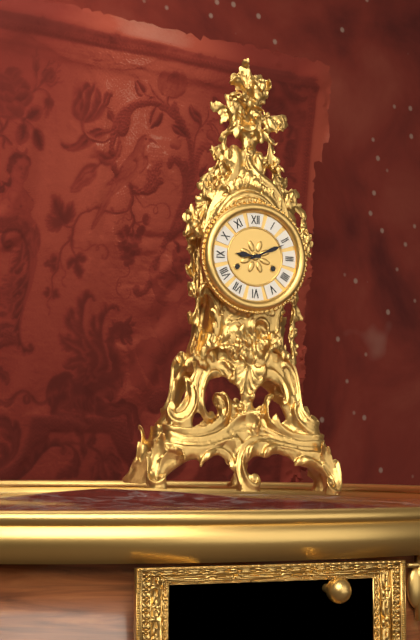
{"hour": 9, "minute": 11}
